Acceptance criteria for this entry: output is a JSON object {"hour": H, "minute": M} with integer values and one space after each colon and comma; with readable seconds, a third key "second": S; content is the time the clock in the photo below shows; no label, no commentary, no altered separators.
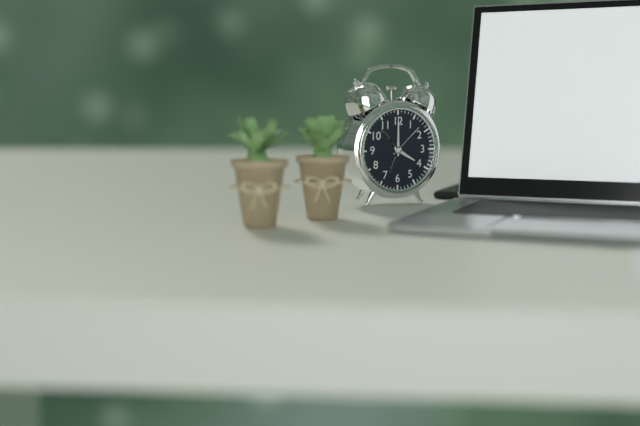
{"hour": 4, "minute": 0}
